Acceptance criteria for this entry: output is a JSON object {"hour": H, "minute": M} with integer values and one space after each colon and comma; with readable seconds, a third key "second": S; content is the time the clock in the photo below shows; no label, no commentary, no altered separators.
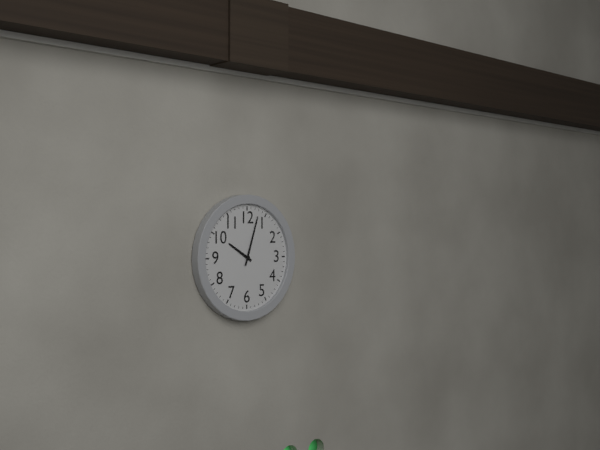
{"hour": 10, "minute": 3}
